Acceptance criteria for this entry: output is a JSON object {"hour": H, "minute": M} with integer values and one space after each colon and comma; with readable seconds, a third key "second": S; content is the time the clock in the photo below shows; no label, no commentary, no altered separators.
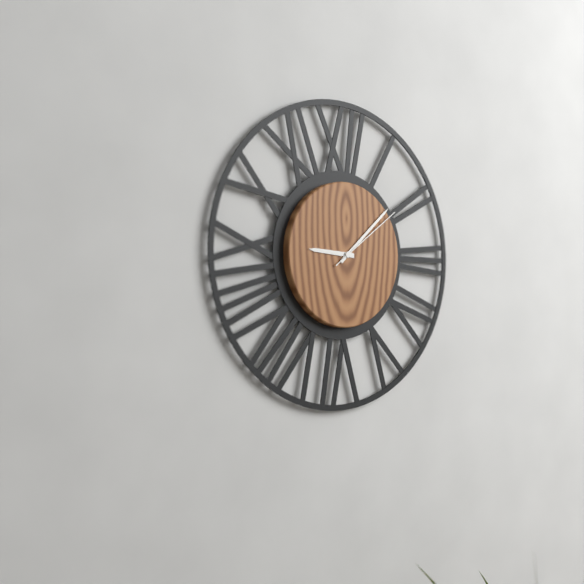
{"hour": 9, "minute": 8, "second": 9}
